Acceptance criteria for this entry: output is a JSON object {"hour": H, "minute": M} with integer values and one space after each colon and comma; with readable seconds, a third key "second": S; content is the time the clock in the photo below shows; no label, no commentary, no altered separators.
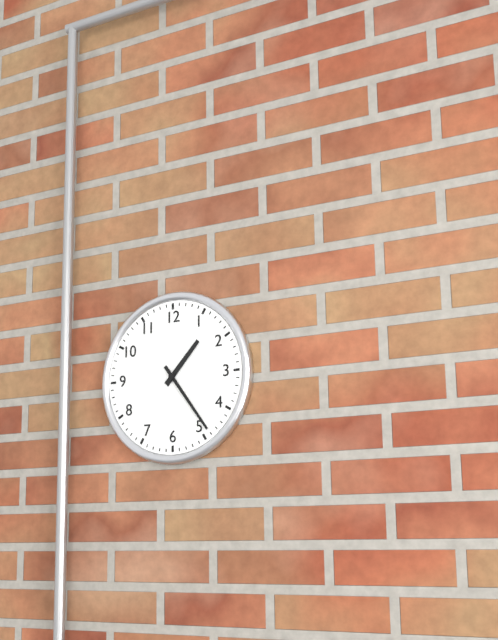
{"hour": 1, "minute": 24}
